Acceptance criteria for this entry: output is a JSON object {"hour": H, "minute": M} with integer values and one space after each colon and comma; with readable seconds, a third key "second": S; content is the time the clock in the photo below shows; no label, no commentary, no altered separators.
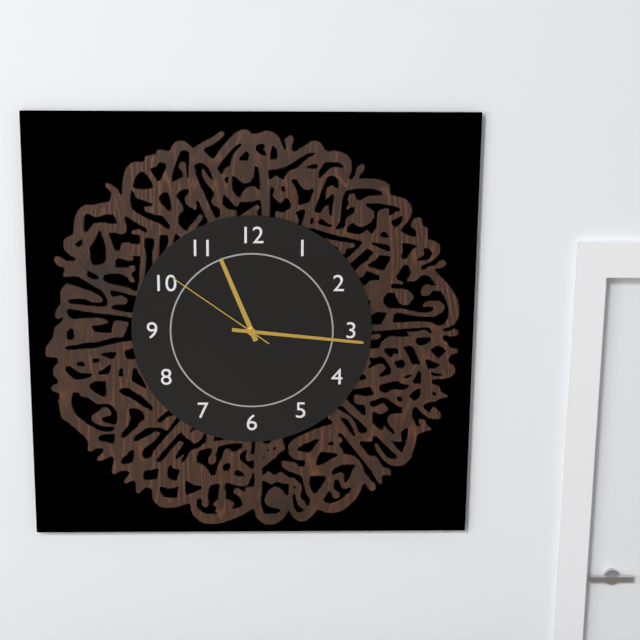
{"hour": 11, "minute": 16, "second": 51}
